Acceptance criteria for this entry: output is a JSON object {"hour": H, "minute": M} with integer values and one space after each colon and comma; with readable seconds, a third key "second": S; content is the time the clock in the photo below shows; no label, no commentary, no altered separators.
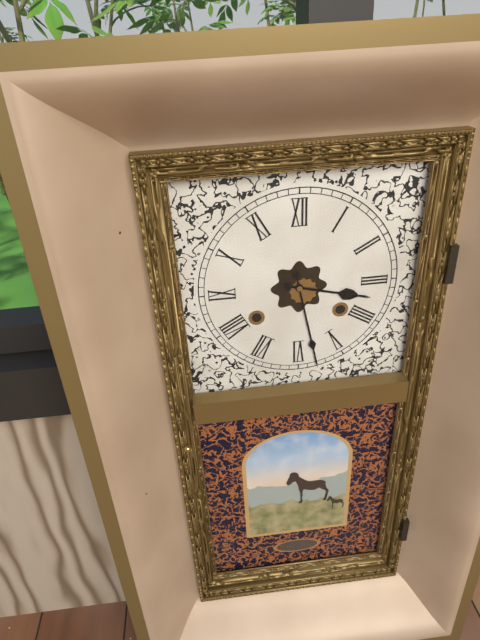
{"hour": 3, "minute": 28}
